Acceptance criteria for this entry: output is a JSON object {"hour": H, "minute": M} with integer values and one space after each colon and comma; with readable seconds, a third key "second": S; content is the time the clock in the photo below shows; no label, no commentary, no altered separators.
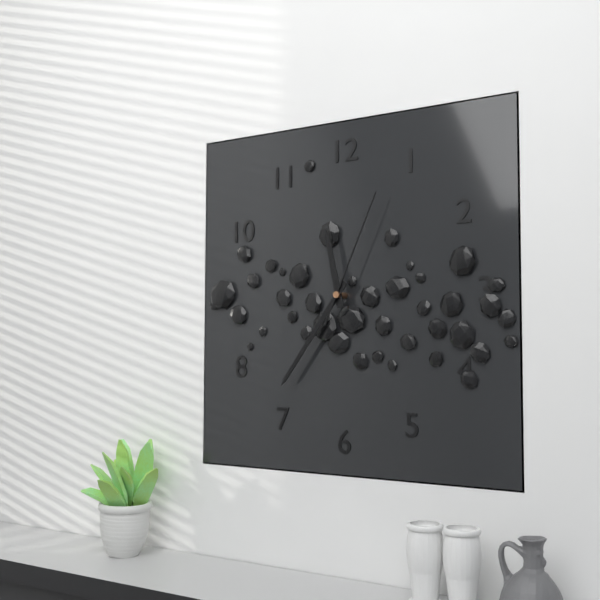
{"hour": 11, "minute": 36, "second": 4}
